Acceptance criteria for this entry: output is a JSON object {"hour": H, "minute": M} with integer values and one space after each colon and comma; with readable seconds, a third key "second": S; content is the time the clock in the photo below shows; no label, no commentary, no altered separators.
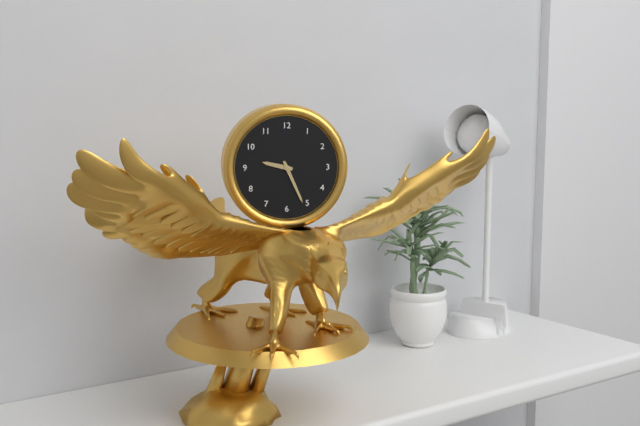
{"hour": 9, "minute": 26}
